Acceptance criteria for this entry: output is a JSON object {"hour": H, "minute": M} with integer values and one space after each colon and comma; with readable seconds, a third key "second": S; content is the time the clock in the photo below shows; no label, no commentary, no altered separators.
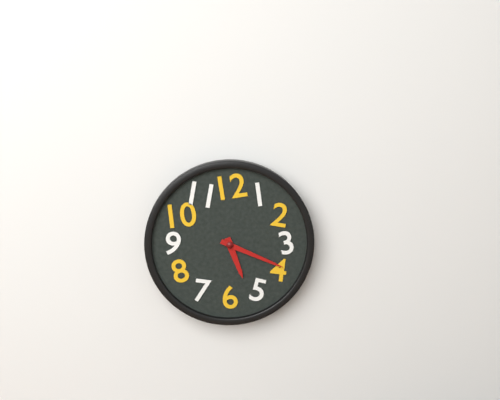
{"hour": 5, "minute": 19}
